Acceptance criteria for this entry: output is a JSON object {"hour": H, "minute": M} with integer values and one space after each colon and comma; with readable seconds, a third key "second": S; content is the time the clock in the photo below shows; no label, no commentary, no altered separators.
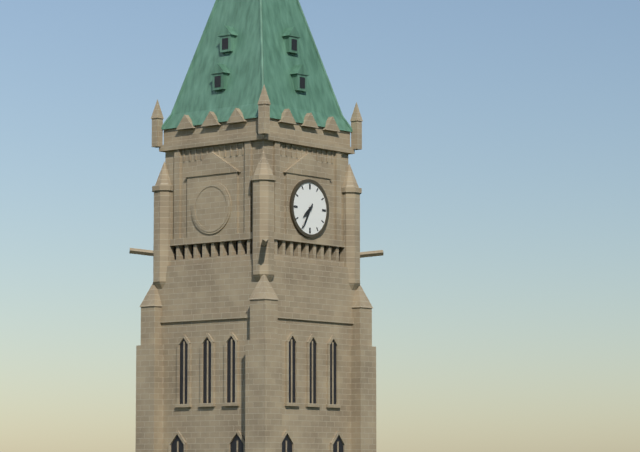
{"hour": 7, "minute": 35}
